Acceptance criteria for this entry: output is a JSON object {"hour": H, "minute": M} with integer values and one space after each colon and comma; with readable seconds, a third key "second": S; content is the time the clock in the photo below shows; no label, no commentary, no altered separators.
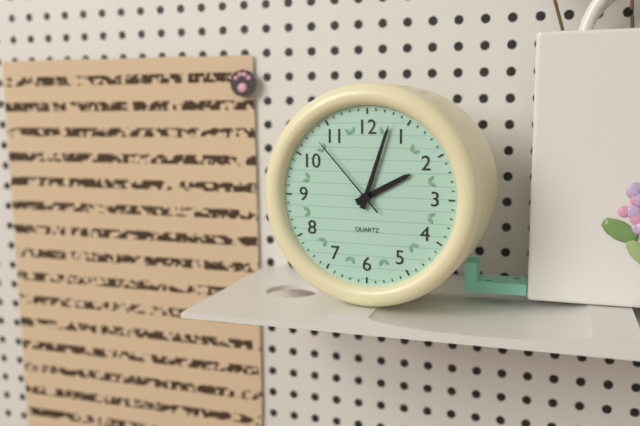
{"hour": 2, "minute": 3, "second": 53}
